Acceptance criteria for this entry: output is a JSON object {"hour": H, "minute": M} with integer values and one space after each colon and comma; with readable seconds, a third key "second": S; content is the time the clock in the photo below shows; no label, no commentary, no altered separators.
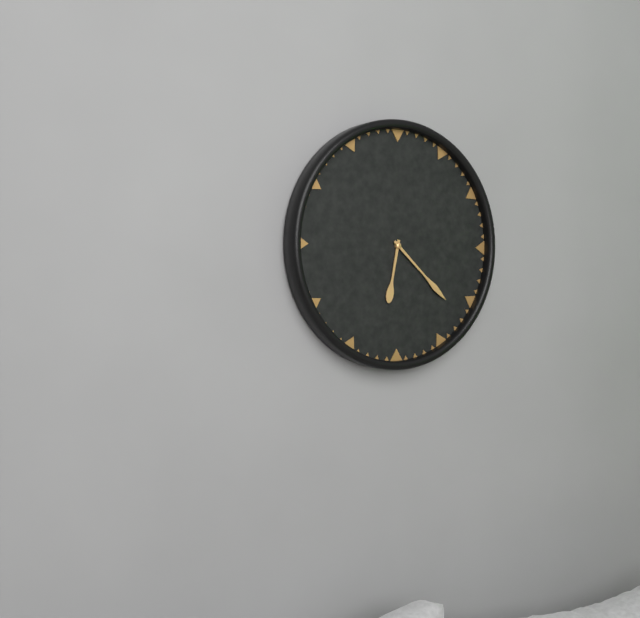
{"hour": 6, "minute": 22}
